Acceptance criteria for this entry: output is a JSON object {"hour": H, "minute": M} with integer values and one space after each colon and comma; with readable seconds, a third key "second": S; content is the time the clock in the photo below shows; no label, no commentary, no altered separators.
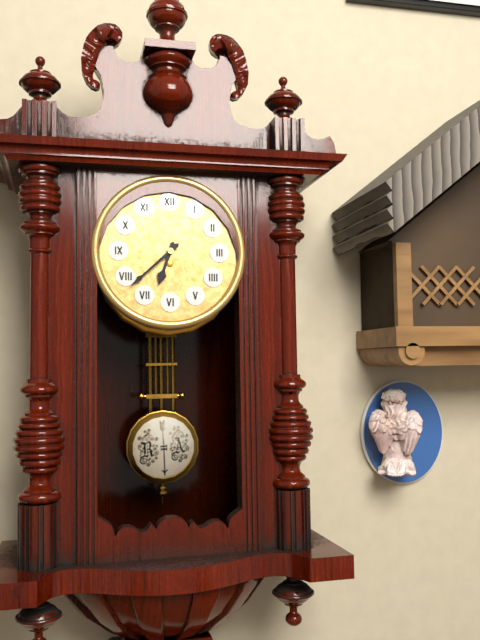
{"hour": 6, "minute": 38}
